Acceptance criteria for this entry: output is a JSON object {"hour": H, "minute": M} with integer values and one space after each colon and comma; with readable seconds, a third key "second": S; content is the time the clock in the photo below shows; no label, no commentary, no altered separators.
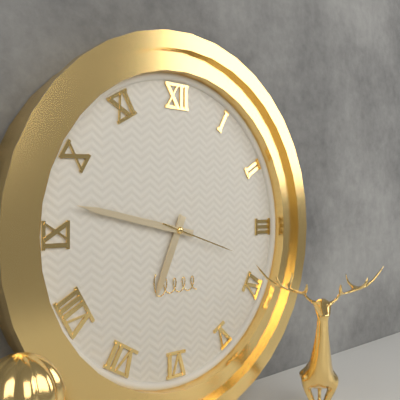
{"hour": 6, "minute": 47, "second": 18}
